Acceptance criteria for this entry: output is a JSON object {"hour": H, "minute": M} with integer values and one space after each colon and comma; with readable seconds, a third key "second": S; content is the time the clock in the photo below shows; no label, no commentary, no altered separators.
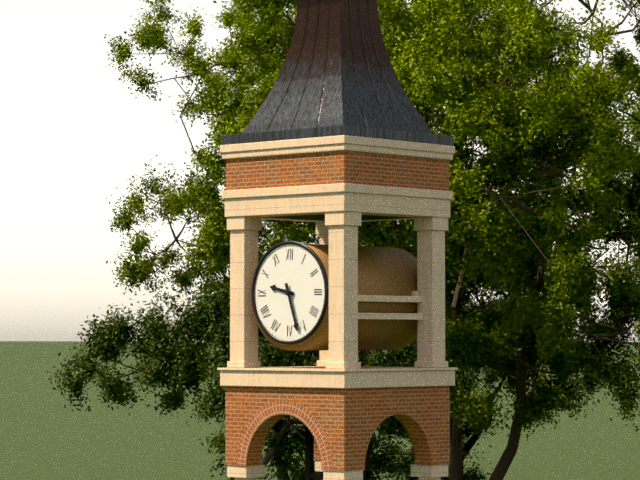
{"hour": 9, "minute": 27}
